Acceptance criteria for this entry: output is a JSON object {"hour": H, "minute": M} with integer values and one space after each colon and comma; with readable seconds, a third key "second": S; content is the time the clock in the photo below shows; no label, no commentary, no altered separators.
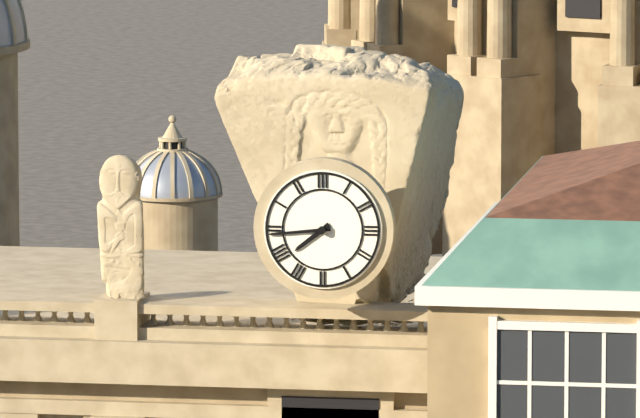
{"hour": 7, "minute": 44}
